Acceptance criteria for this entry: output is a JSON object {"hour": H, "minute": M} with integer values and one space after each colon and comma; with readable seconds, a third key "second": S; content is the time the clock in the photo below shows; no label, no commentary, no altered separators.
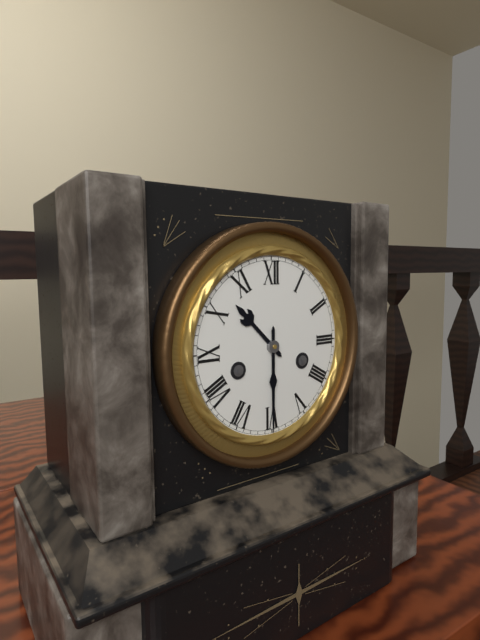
{"hour": 10, "minute": 30}
